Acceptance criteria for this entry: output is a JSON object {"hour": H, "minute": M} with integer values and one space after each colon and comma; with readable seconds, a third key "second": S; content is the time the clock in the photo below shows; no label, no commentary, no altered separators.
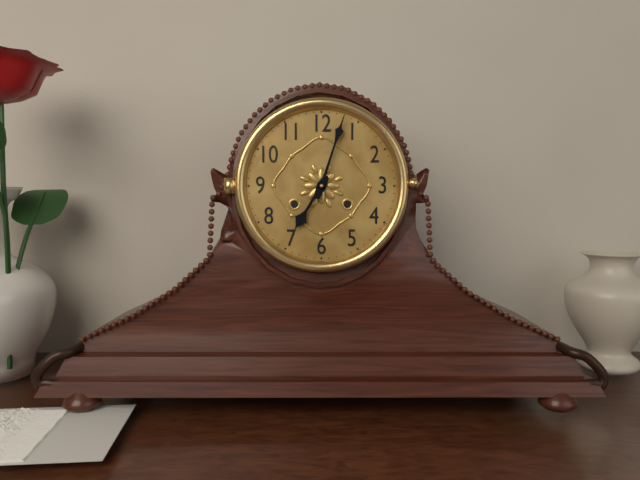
{"hour": 7, "minute": 3}
